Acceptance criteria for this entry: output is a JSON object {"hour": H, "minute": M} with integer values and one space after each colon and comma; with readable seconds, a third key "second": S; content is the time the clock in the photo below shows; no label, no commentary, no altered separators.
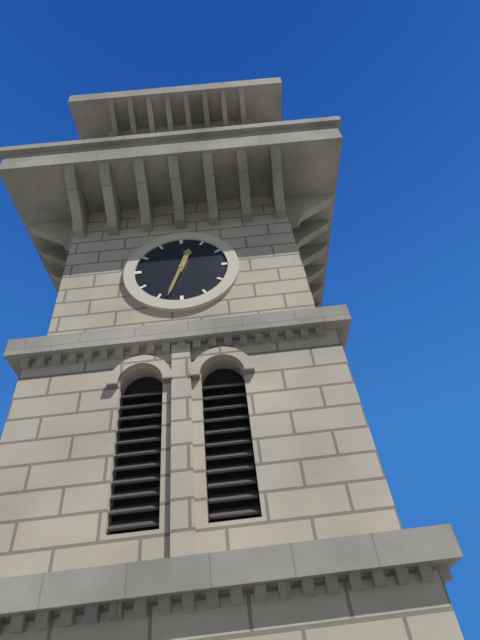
{"hour": 12, "minute": 33}
